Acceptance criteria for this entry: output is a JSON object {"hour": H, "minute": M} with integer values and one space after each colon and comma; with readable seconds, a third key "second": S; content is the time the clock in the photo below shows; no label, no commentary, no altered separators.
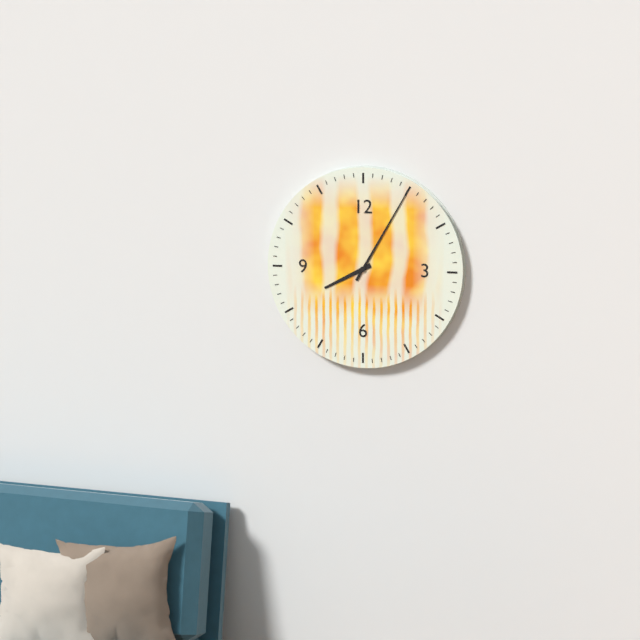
{"hour": 8, "minute": 5}
